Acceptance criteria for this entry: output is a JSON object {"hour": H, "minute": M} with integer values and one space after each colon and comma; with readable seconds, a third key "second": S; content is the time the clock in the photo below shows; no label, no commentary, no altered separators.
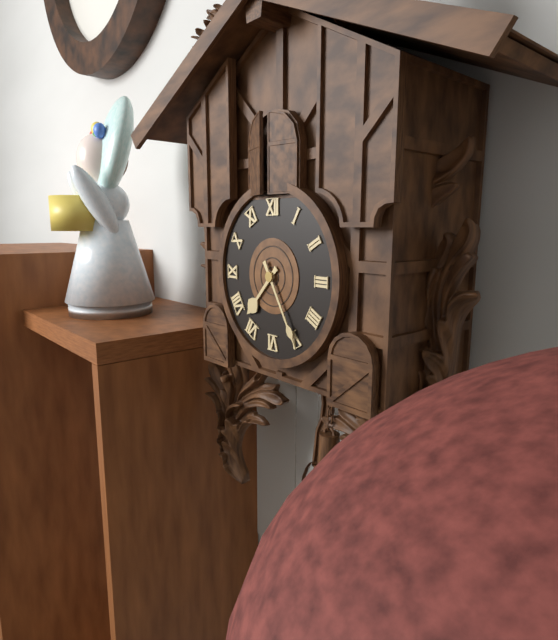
{"hour": 7, "minute": 25}
